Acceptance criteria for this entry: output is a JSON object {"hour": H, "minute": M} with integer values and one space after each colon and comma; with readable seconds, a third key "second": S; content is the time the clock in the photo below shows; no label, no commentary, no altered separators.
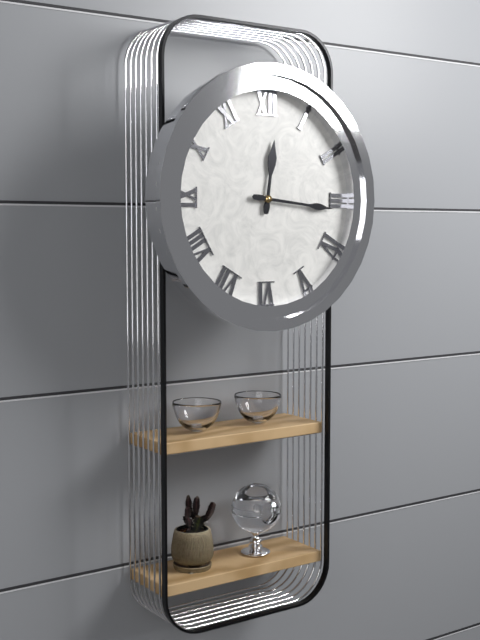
{"hour": 12, "minute": 16}
